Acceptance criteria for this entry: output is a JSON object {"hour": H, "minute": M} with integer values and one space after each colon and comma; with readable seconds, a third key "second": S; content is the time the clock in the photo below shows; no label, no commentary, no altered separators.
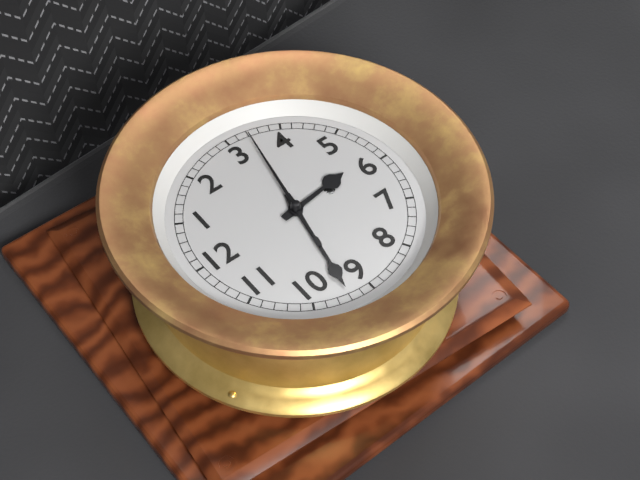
{"hour": 5, "minute": 47, "second": 17}
